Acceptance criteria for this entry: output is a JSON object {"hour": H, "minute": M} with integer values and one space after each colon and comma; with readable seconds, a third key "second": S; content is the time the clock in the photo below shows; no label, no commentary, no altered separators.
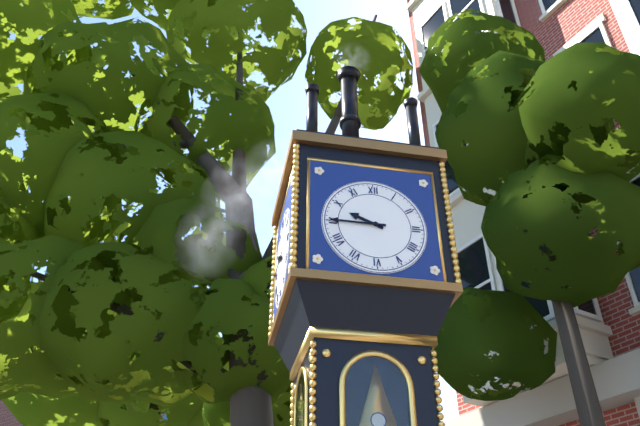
{"hour": 9, "minute": 45}
